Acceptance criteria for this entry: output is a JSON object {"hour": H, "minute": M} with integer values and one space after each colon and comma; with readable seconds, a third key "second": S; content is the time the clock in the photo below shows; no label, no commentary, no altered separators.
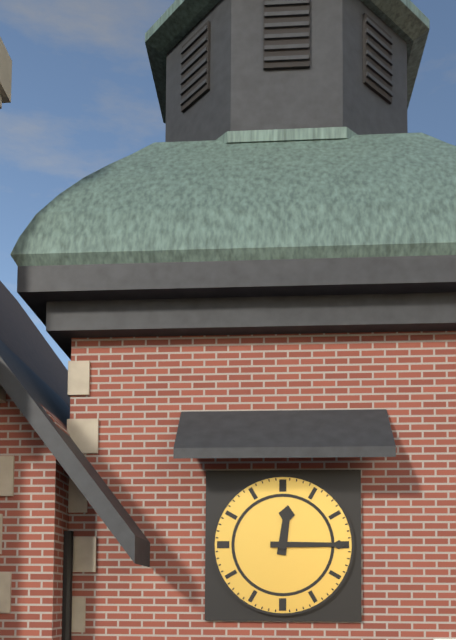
{"hour": 12, "minute": 15}
